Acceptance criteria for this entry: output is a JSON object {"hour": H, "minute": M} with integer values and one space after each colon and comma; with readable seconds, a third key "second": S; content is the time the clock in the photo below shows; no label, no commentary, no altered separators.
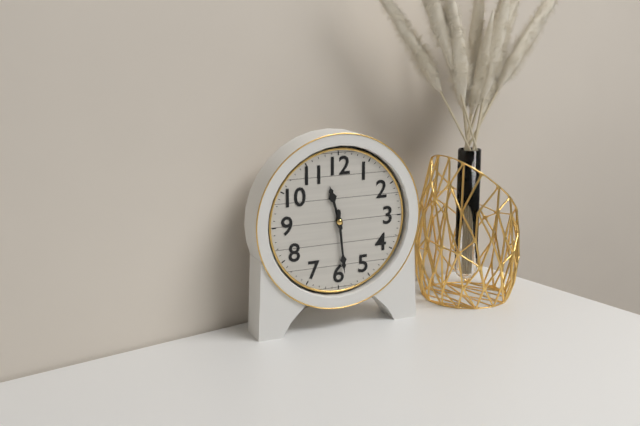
{"hour": 11, "minute": 29}
